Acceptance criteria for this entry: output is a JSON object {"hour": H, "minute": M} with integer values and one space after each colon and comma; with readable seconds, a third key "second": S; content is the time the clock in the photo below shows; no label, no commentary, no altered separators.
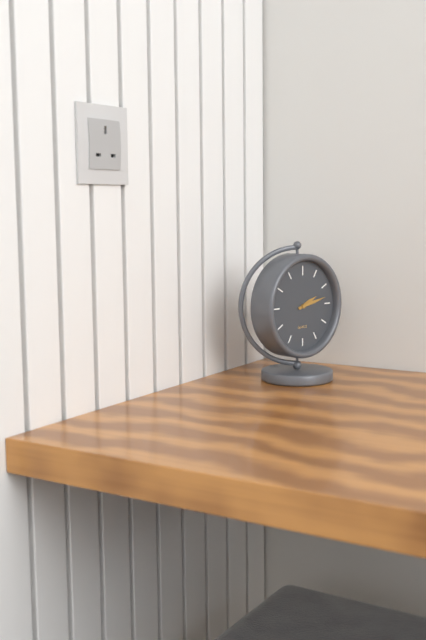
{"hour": 2, "minute": 13}
